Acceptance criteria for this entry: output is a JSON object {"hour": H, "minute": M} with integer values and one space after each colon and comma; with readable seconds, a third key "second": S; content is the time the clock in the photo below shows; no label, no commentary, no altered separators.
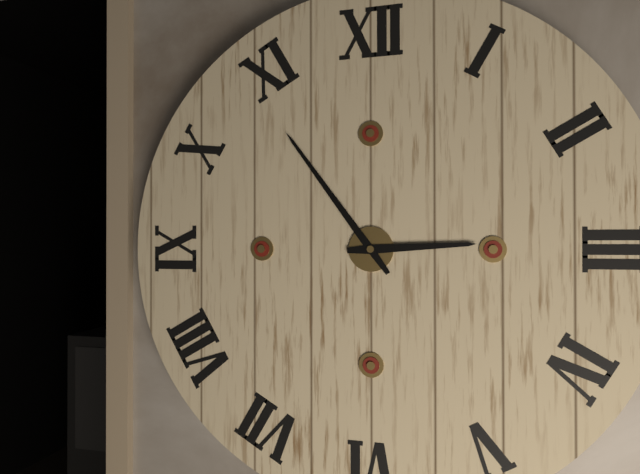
{"hour": 2, "minute": 54}
